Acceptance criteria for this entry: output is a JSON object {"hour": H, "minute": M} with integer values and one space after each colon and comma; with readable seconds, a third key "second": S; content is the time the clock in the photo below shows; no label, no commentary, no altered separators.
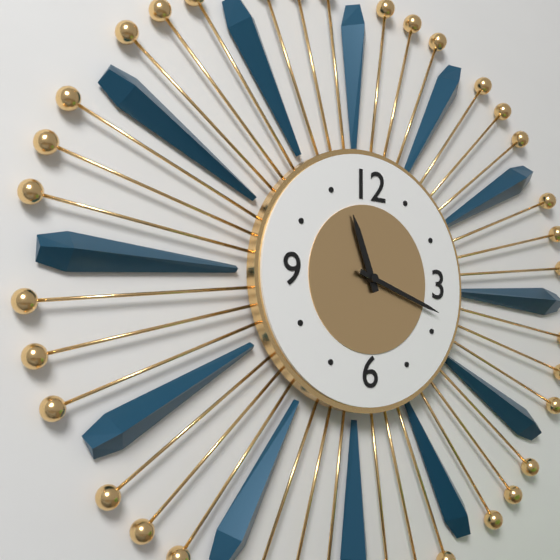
{"hour": 11, "minute": 18}
